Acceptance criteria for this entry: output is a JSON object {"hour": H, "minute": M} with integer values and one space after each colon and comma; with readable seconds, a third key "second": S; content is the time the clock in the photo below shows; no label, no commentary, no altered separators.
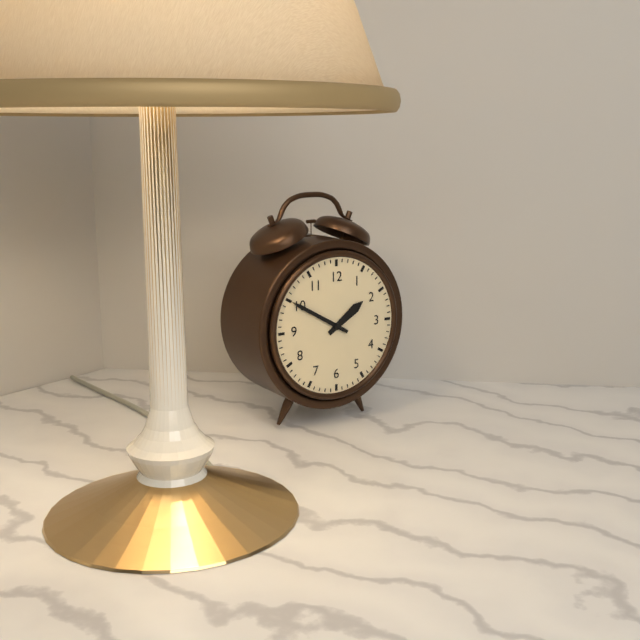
{"hour": 1, "minute": 50}
